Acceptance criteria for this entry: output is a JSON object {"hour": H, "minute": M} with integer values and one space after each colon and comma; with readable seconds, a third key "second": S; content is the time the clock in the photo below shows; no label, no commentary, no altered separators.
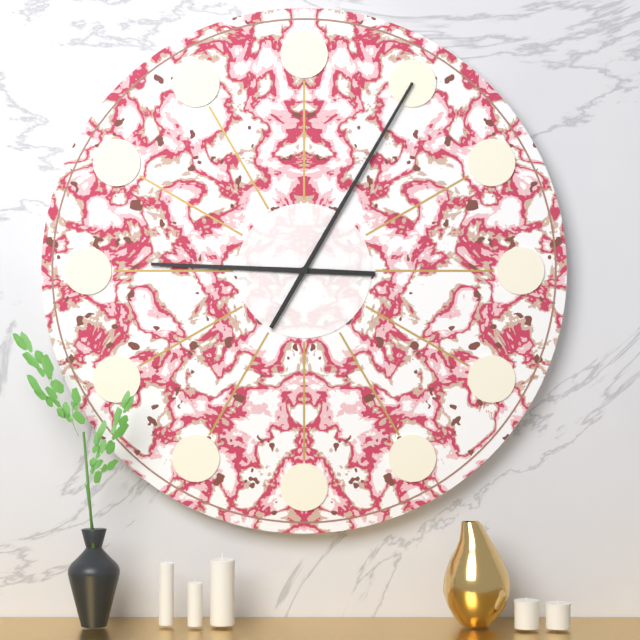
{"hour": 9, "minute": 5}
